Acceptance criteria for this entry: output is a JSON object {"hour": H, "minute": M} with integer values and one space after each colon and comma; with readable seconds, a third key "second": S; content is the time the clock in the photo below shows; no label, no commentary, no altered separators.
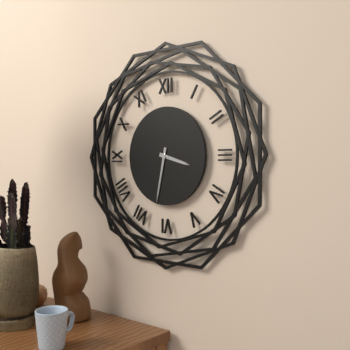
{"hour": 3, "minute": 32}
